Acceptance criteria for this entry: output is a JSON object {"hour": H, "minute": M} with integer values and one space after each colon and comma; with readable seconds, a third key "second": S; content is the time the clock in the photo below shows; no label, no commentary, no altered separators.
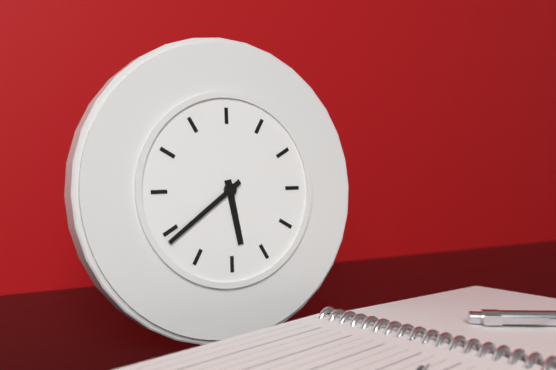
{"hour": 5, "minute": 39}
